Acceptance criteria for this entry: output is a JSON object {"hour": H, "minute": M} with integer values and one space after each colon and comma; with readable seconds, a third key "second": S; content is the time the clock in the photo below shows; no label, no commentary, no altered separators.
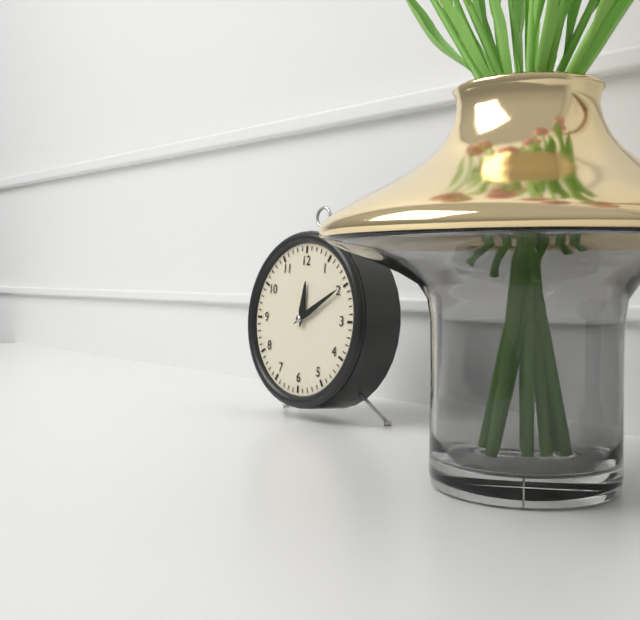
{"hour": 12, "minute": 10}
